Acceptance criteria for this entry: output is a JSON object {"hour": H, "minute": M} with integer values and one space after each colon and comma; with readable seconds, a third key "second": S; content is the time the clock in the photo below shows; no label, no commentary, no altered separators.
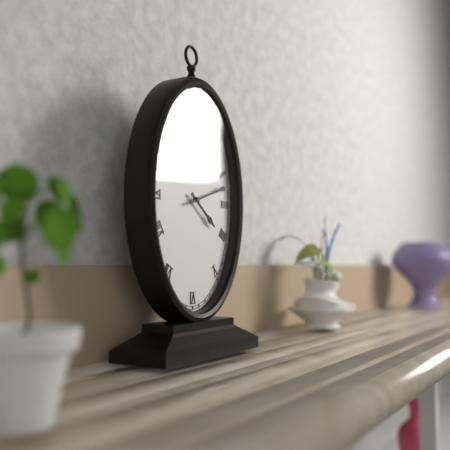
{"hour": 4, "minute": 12}
